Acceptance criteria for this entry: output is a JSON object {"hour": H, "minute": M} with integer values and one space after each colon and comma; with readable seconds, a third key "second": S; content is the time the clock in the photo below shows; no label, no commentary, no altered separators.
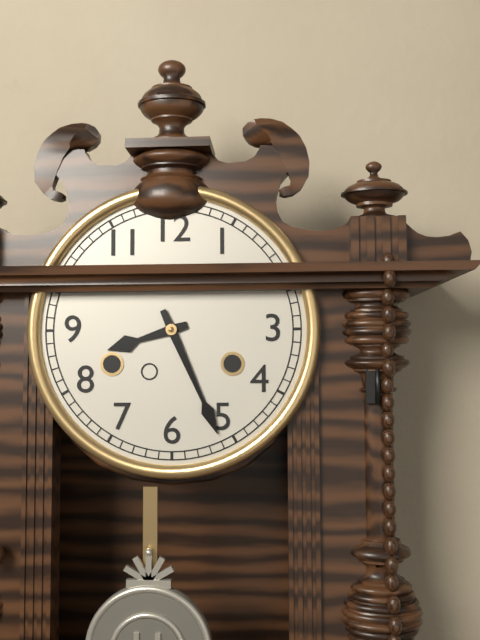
{"hour": 8, "minute": 26}
